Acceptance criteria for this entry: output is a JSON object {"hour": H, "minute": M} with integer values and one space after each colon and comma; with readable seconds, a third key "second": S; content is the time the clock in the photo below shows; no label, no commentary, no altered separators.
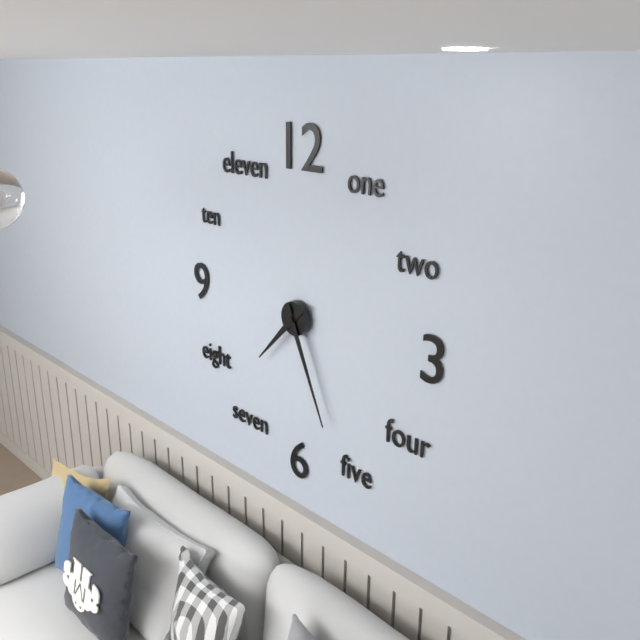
{"hour": 7, "minute": 26}
